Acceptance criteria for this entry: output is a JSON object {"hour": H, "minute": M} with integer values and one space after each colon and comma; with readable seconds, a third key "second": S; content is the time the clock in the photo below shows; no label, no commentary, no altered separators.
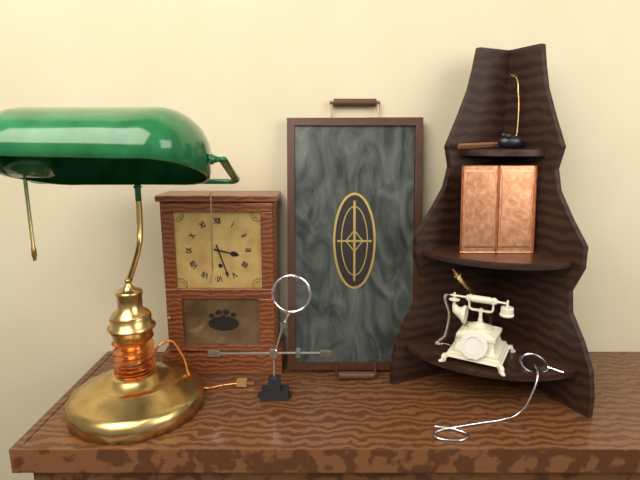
{"hour": 3, "minute": 27}
